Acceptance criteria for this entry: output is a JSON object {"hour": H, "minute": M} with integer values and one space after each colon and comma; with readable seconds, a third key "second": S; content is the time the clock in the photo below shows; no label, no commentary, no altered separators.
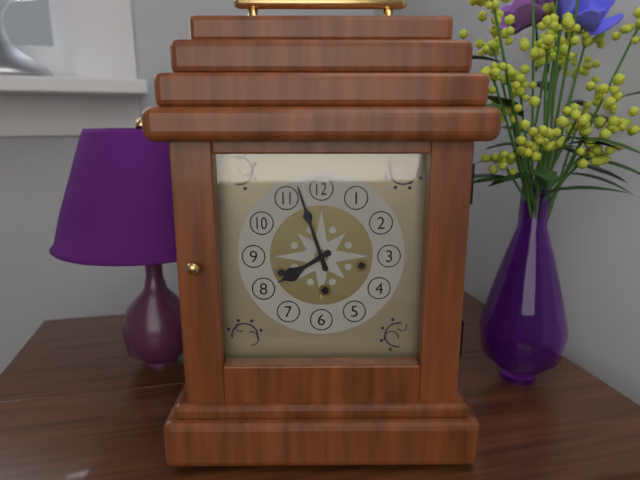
{"hour": 7, "minute": 57}
